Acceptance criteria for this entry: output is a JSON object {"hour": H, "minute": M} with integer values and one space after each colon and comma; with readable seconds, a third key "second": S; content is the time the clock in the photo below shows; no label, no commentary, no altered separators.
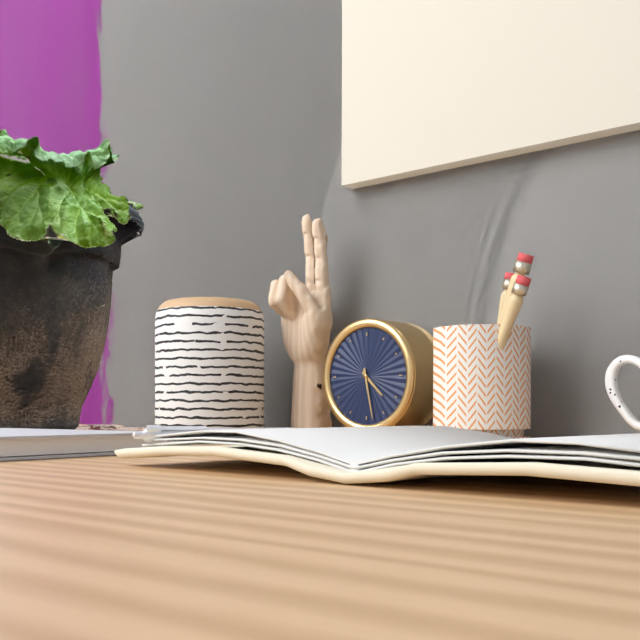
{"hour": 4, "minute": 28}
